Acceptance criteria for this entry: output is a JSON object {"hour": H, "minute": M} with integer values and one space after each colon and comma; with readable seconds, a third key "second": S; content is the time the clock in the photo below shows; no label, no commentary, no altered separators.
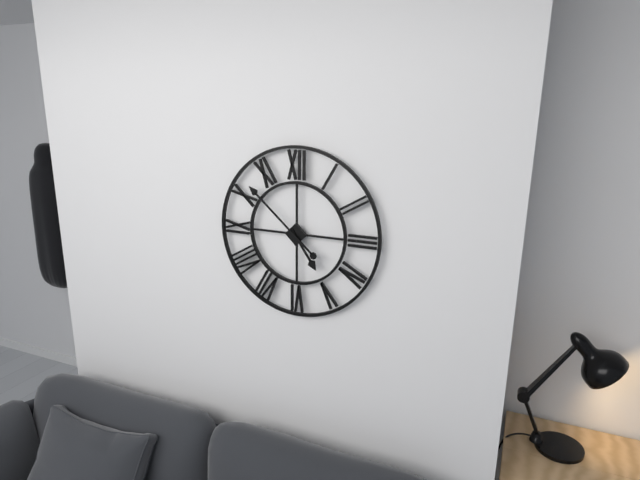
{"hour": 4, "minute": 52}
